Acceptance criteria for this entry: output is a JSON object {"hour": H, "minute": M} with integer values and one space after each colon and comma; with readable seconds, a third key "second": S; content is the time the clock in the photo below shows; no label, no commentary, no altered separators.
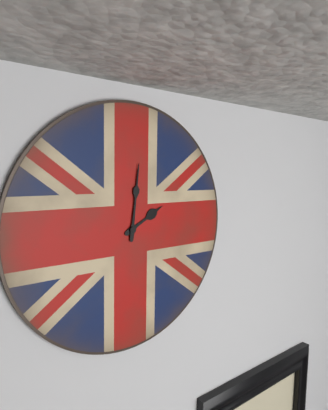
{"hour": 2, "minute": 1}
